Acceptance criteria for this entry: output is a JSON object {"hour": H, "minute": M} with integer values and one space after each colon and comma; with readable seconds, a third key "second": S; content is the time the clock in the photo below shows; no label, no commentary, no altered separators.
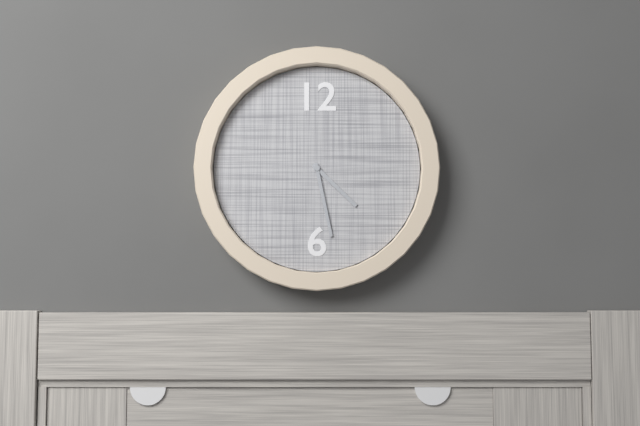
{"hour": 4, "minute": 28}
